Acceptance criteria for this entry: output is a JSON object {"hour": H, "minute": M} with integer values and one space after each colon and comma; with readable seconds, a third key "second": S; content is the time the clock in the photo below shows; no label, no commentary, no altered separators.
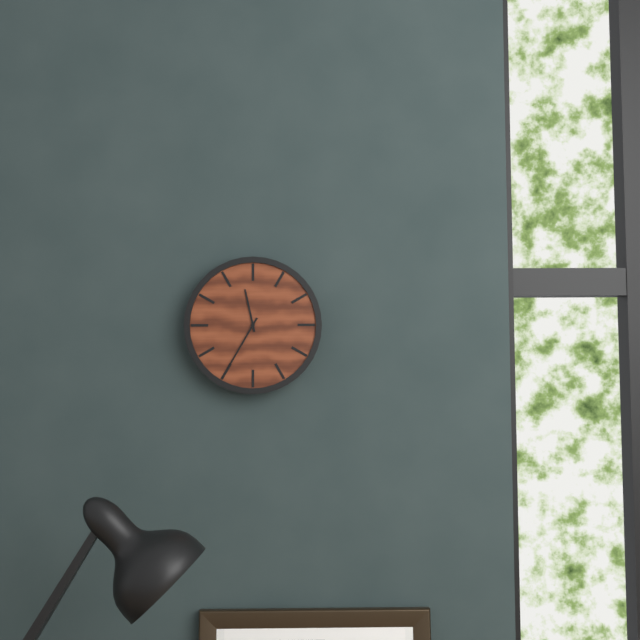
{"hour": 11, "minute": 35}
